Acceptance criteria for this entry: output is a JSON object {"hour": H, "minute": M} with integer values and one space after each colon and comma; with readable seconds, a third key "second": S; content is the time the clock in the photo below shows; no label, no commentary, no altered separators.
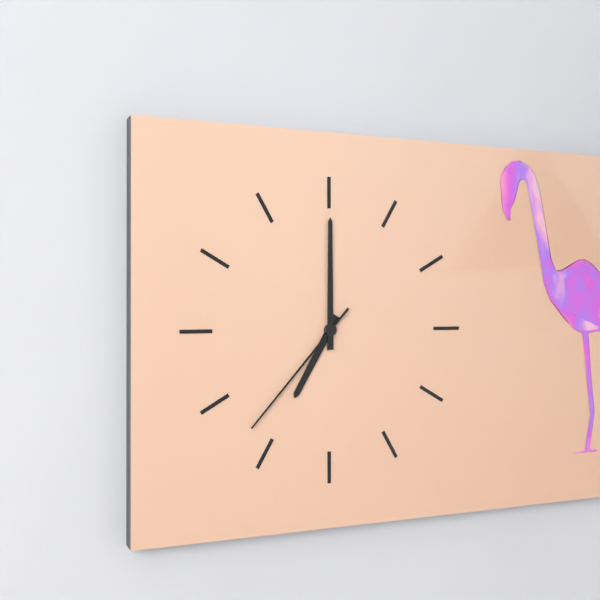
{"hour": 7, "minute": 0, "second": 37}
